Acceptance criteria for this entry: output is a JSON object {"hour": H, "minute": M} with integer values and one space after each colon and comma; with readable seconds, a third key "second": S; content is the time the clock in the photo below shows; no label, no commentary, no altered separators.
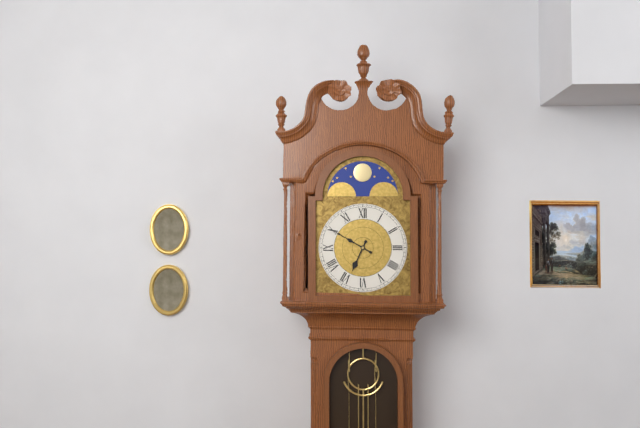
{"hour": 6, "minute": 50}
